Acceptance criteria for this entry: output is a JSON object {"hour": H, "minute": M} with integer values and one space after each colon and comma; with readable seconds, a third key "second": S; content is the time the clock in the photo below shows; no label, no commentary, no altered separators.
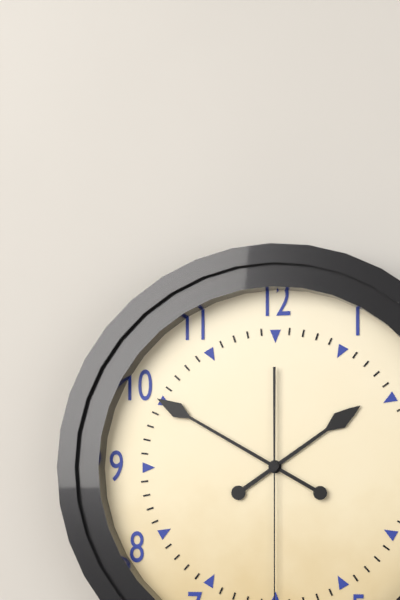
{"hour": 1, "minute": 50}
